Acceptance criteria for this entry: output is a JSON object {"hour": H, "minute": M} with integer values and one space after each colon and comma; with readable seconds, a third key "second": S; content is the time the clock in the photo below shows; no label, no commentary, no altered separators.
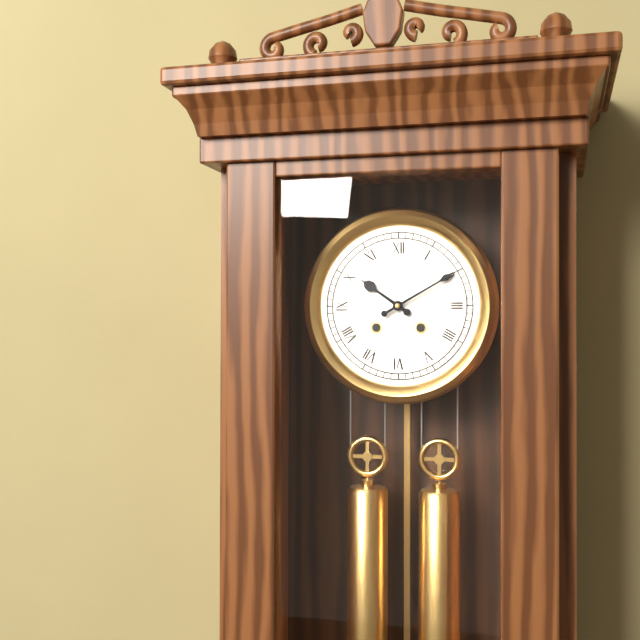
{"hour": 10, "minute": 10}
